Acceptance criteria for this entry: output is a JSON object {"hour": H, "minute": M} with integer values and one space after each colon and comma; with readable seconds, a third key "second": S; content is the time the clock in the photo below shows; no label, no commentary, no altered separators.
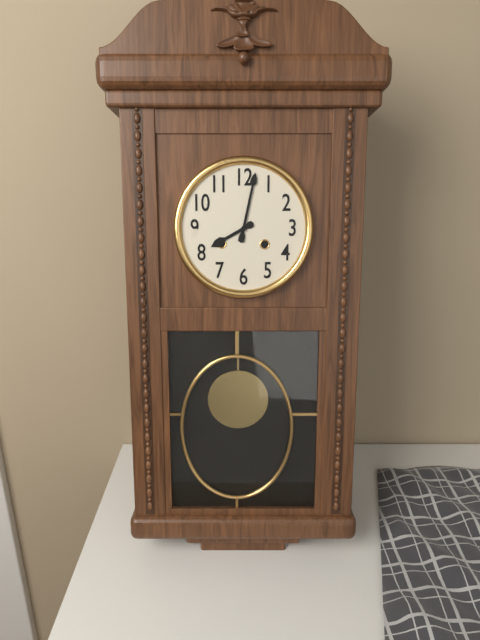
{"hour": 8, "minute": 2}
